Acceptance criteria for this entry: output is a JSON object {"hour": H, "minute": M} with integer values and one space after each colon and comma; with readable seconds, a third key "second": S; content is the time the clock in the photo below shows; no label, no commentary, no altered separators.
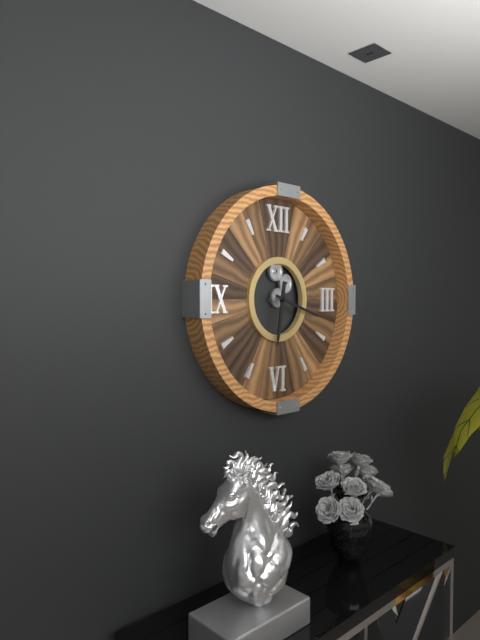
{"hour": 6, "minute": 18}
